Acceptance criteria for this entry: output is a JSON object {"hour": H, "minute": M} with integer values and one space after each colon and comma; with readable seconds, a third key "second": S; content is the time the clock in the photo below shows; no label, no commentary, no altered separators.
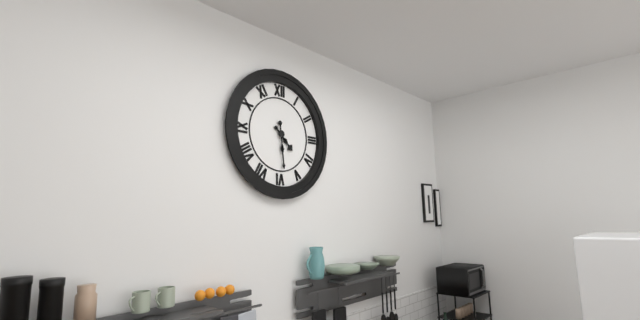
{"hour": 4, "minute": 29}
